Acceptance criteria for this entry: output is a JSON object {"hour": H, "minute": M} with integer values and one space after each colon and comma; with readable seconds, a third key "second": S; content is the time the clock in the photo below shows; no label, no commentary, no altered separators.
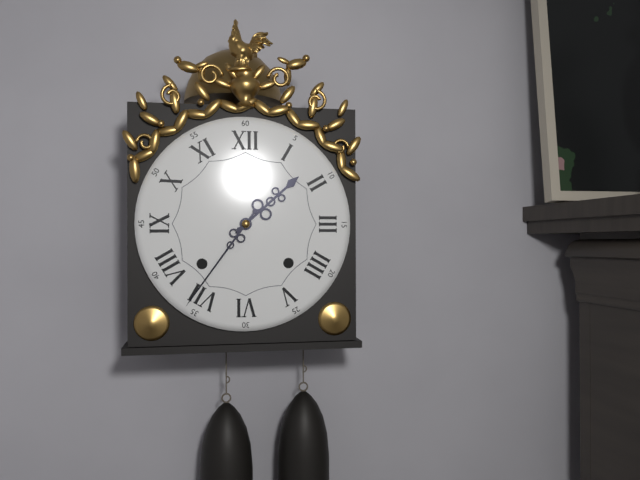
{"hour": 1, "minute": 36}
